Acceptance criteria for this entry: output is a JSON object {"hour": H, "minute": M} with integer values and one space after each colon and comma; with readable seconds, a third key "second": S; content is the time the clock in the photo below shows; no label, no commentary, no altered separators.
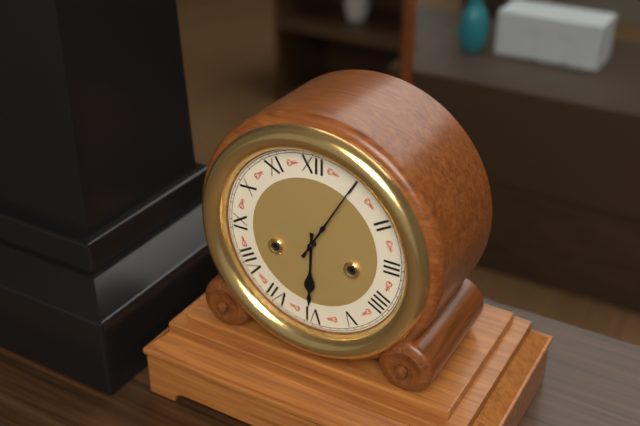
{"hour": 6, "minute": 5}
